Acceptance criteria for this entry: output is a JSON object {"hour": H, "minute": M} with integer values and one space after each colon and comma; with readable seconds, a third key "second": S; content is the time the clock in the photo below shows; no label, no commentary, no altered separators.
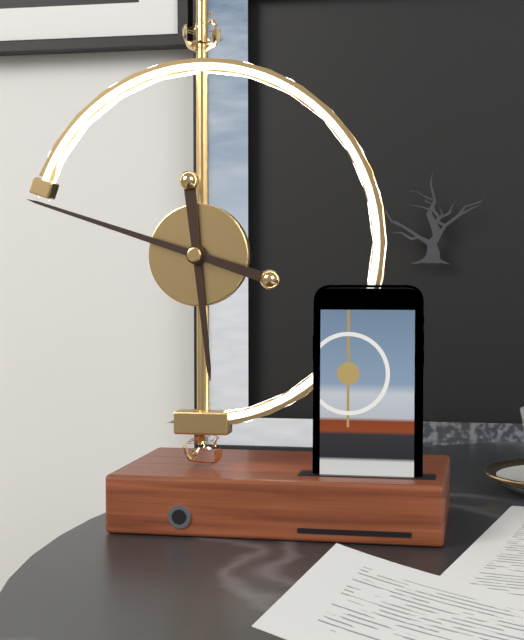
{"hour": 5, "minute": 48}
